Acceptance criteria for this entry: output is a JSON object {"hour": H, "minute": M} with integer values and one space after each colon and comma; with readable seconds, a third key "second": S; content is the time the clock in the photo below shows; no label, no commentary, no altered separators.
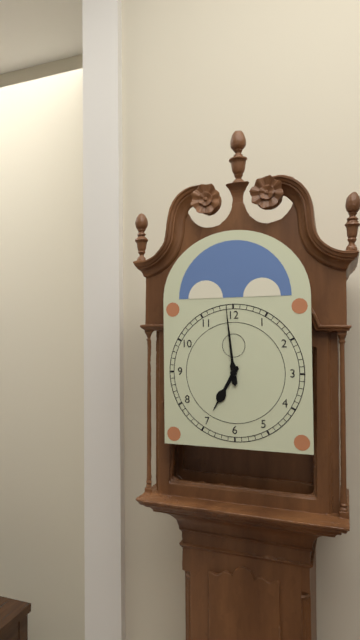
{"hour": 6, "minute": 59}
